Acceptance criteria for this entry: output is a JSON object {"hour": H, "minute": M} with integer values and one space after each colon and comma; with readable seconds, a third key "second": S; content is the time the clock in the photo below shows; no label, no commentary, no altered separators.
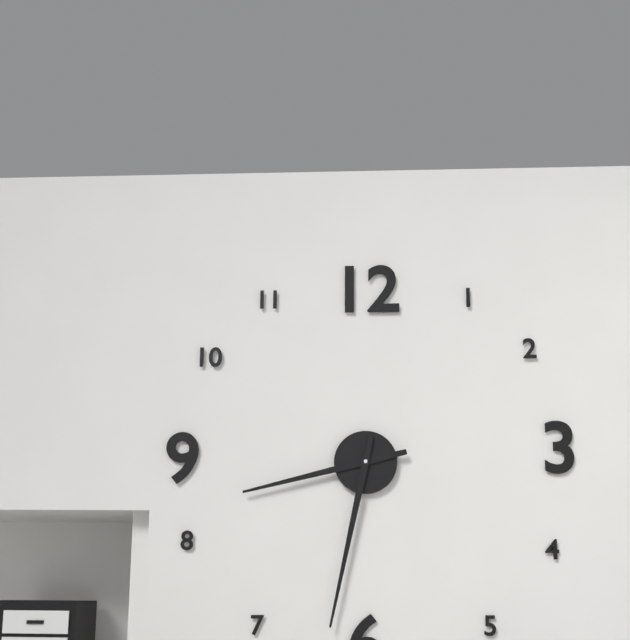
{"hour": 8, "minute": 32}
